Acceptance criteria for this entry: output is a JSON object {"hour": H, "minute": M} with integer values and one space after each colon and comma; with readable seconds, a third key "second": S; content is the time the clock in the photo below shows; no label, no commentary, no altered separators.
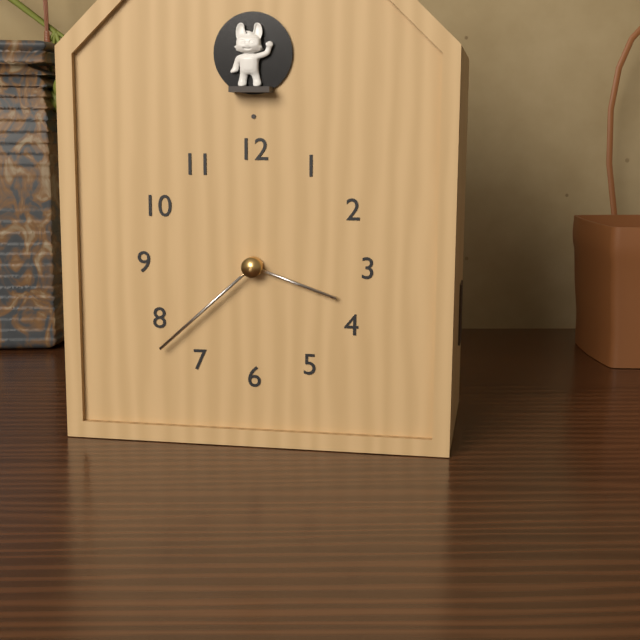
{"hour": 3, "minute": 38}
